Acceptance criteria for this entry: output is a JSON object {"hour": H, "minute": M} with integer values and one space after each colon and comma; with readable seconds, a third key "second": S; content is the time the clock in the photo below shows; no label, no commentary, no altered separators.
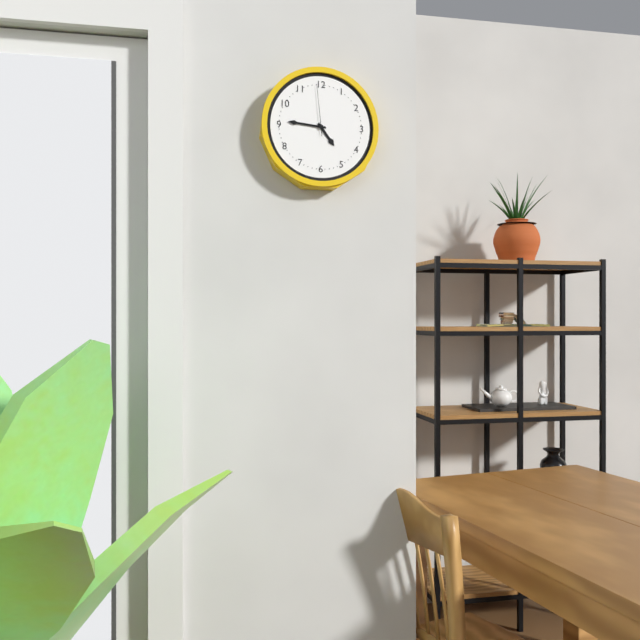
{"hour": 4, "minute": 46, "second": 59}
